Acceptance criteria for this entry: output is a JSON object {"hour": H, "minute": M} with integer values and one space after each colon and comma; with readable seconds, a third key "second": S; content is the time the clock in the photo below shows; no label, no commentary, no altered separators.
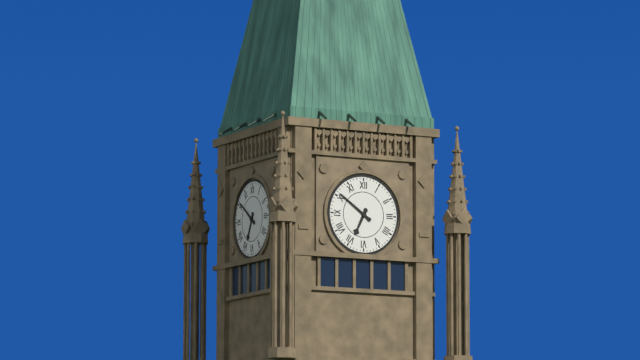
{"hour": 6, "minute": 51}
